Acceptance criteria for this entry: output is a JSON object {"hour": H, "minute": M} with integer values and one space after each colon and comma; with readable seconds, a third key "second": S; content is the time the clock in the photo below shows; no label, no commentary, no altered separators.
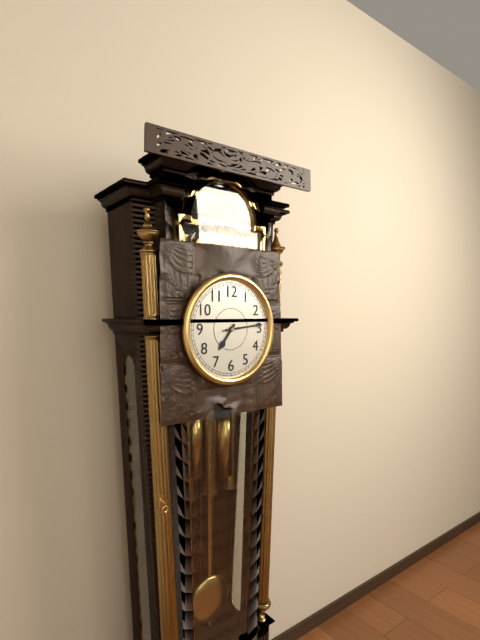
{"hour": 7, "minute": 14}
